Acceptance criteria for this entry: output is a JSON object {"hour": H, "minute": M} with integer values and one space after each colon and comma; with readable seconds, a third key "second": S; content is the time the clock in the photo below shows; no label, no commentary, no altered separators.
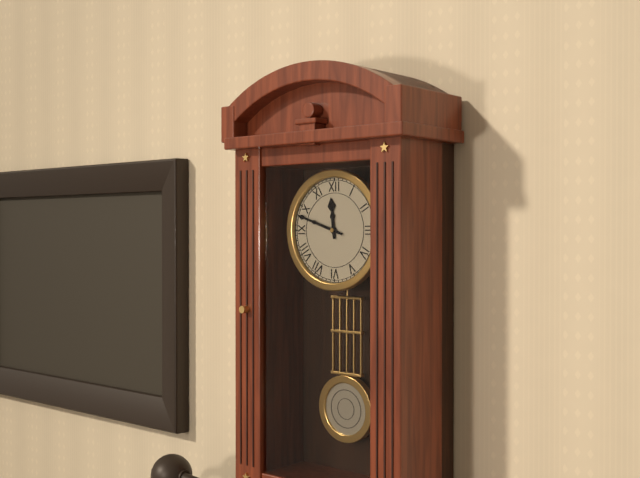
{"hour": 11, "minute": 48}
